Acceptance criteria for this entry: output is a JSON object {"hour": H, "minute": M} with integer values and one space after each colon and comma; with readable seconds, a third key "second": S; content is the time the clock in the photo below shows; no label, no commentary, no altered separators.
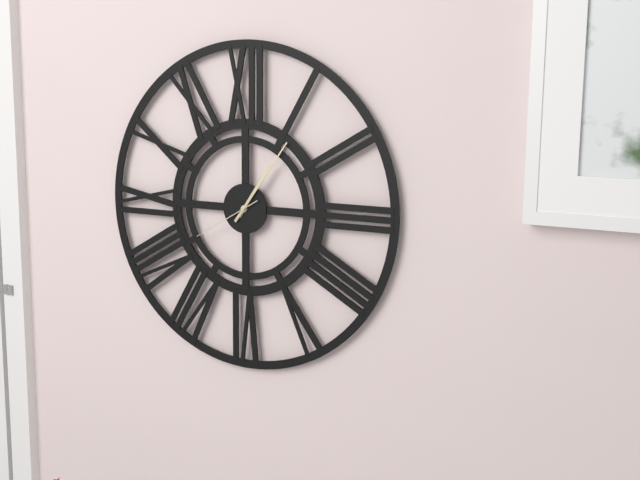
{"hour": 1, "minute": 6, "second": 40}
